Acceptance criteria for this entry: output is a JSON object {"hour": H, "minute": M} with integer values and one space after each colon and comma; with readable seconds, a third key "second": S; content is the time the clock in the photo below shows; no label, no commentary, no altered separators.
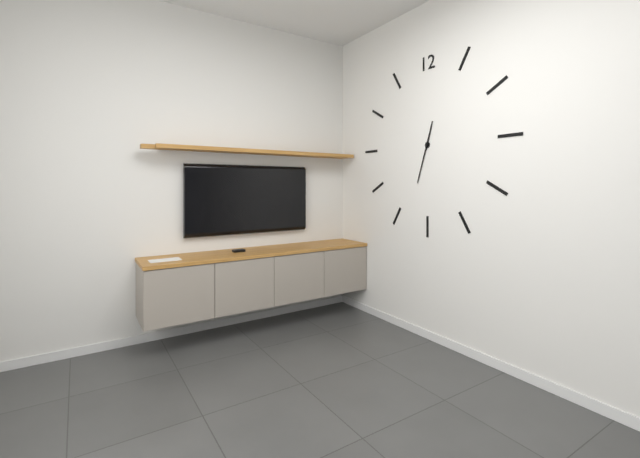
{"hour": 12, "minute": 33}
